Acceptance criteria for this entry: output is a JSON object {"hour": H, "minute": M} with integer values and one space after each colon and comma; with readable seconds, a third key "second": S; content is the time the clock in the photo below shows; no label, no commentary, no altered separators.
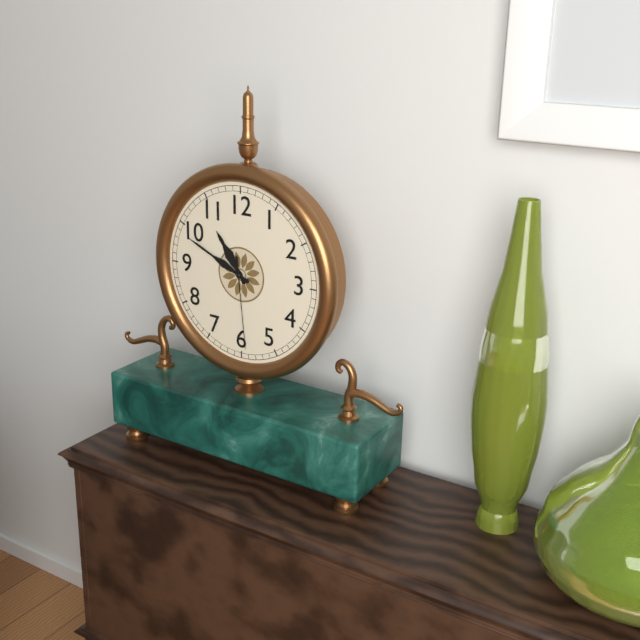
{"hour": 10, "minute": 49, "second": 29}
